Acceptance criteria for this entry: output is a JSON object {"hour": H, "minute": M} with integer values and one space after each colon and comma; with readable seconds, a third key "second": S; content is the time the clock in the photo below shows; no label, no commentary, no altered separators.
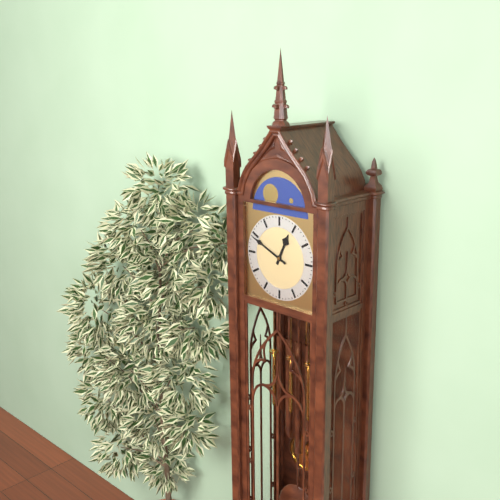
{"hour": 12, "minute": 49}
